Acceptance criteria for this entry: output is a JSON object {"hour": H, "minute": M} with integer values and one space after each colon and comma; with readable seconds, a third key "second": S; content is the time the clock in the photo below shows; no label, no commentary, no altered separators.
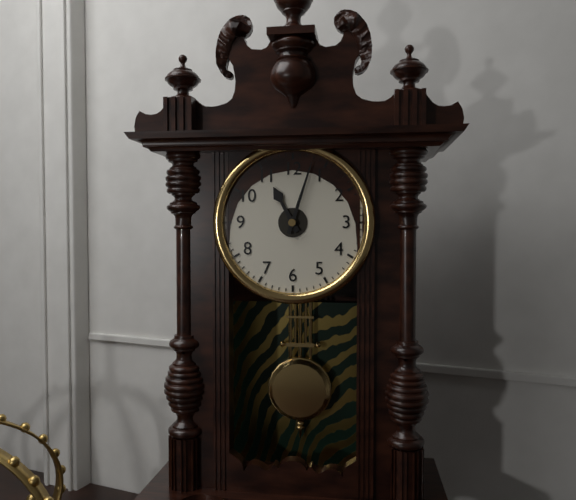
{"hour": 11, "minute": 3}
